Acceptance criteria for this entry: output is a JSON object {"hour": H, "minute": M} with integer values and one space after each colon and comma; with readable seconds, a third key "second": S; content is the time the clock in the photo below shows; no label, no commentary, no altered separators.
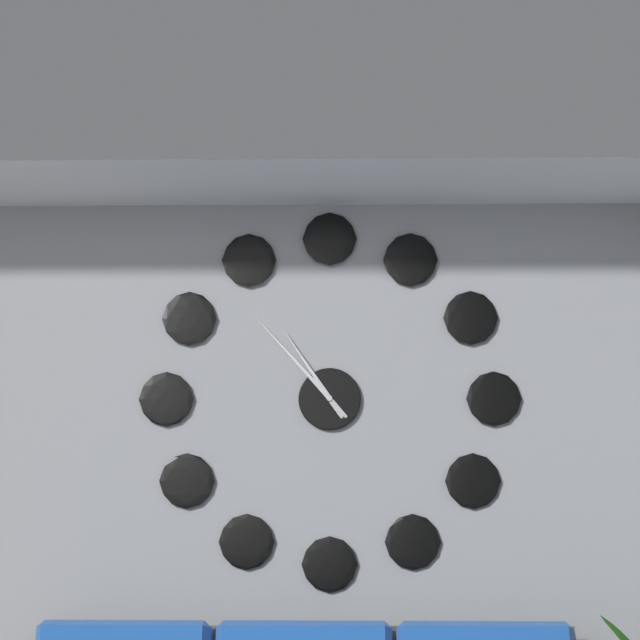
{"hour": 10, "minute": 53}
